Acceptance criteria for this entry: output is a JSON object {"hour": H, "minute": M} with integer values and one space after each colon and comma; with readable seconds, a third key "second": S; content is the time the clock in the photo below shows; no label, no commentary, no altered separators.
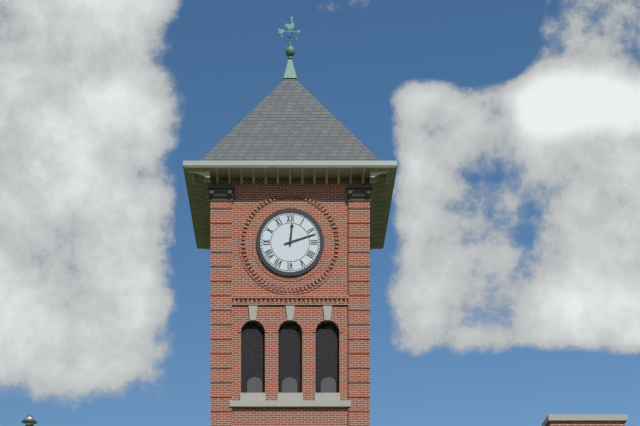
{"hour": 12, "minute": 12}
